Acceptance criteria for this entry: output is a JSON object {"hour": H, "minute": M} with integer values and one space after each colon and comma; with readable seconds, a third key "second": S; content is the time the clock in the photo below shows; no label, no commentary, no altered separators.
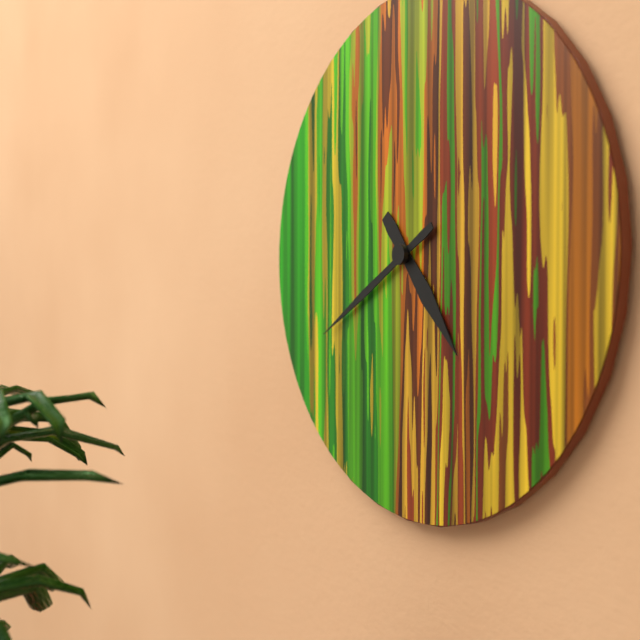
{"hour": 4, "minute": 40}
